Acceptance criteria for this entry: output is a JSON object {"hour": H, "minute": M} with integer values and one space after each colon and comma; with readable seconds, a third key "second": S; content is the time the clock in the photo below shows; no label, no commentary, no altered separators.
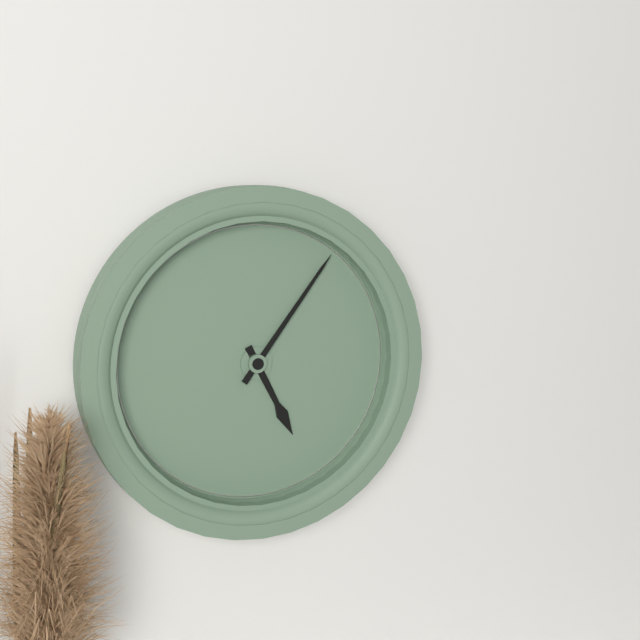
{"hour": 5, "minute": 6}
